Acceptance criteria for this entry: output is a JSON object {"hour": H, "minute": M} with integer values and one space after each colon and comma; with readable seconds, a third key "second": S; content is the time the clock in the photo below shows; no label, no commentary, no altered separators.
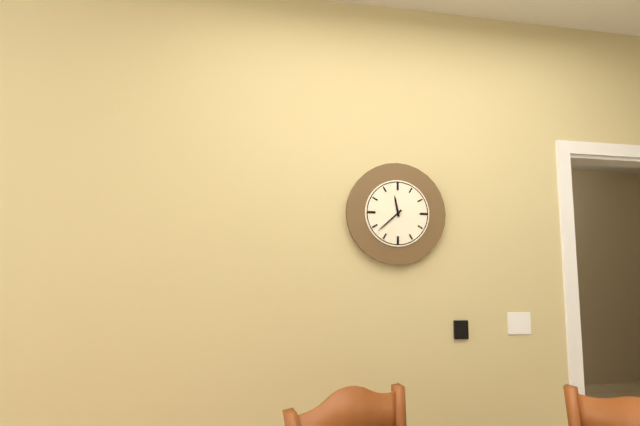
{"hour": 11, "minute": 38}
